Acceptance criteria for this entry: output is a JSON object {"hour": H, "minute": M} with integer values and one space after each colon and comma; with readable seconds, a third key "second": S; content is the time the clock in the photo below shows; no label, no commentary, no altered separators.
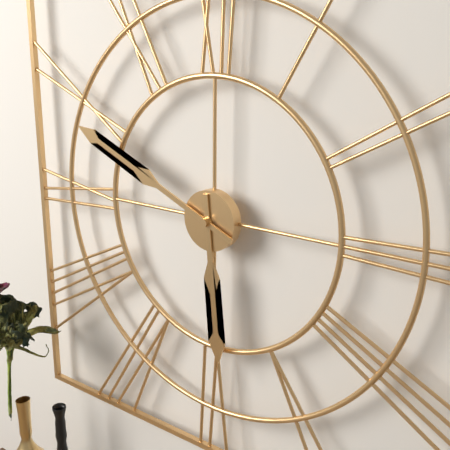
{"hour": 5, "minute": 49}
